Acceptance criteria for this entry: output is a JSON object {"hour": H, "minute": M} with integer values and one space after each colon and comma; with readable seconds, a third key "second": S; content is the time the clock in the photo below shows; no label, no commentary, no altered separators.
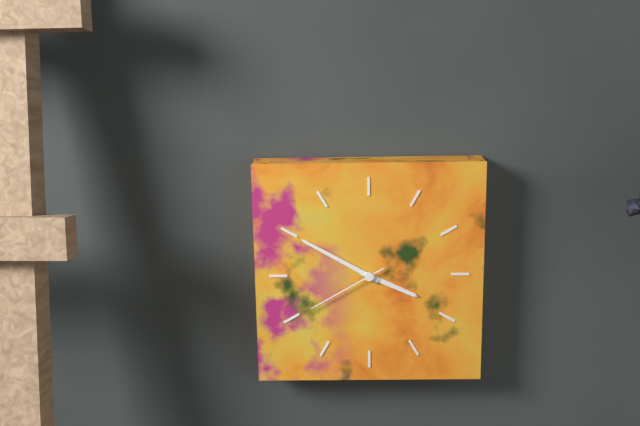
{"hour": 3, "minute": 50, "second": 40}
